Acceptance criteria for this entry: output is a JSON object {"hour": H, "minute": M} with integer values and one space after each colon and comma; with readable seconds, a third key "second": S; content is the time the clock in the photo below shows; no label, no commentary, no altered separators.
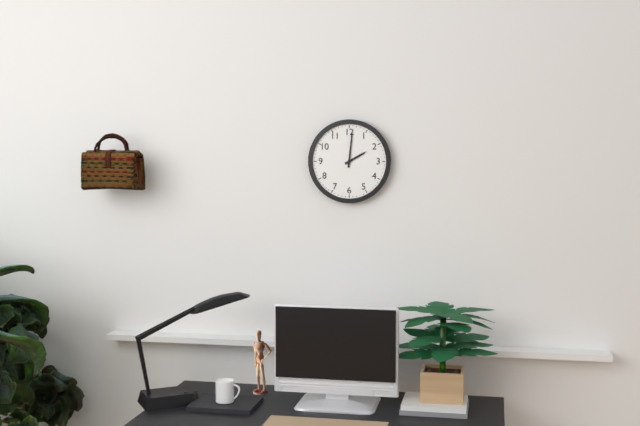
{"hour": 2, "minute": 1}
